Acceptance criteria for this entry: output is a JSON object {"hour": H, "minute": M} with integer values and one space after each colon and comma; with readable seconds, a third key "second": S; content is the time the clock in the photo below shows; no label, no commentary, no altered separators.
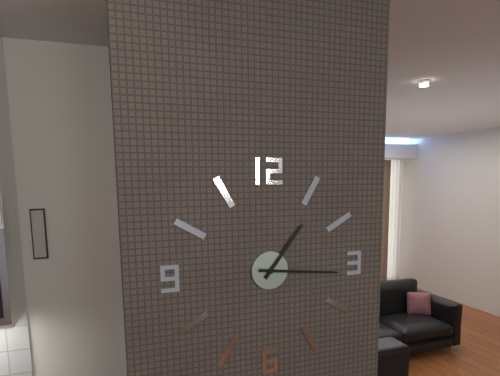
{"hour": 1, "minute": 16}
